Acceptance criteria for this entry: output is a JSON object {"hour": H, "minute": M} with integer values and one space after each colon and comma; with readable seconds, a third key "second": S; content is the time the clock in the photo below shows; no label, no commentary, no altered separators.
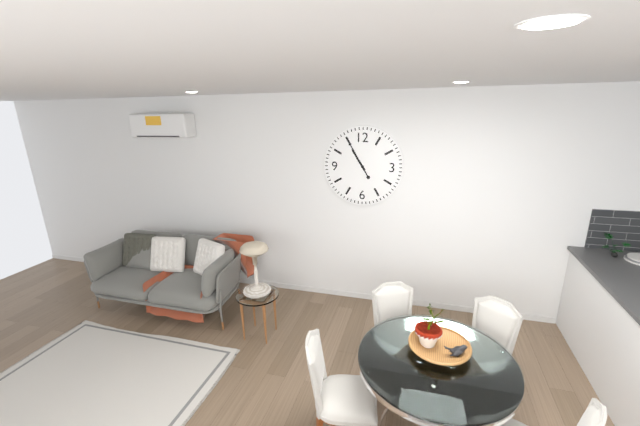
{"hour": 10, "minute": 55}
